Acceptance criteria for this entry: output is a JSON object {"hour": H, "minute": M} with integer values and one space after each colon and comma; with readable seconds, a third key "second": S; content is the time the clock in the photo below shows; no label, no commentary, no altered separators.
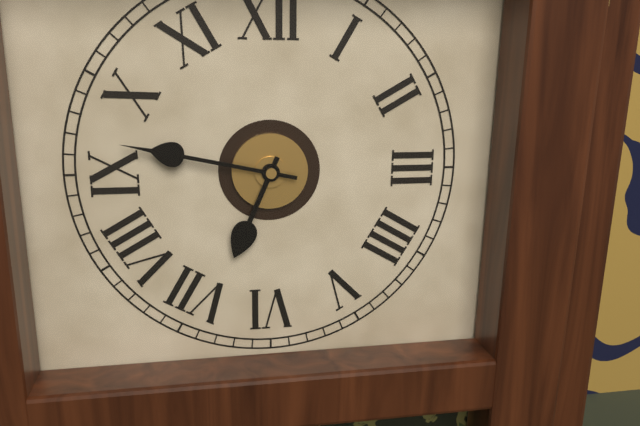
{"hour": 6, "minute": 47}
